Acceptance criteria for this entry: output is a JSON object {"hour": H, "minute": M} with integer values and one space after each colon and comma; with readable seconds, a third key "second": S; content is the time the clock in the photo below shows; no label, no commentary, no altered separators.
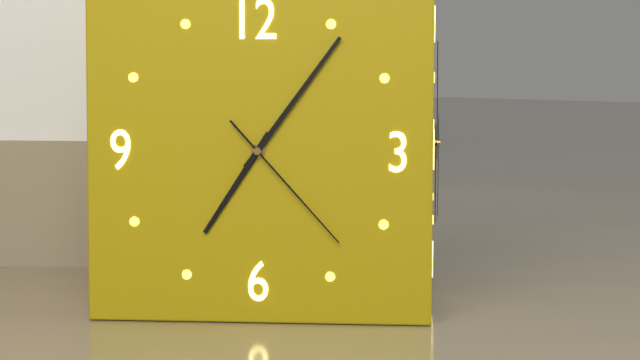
{"hour": 7, "minute": 6, "second": 23}
